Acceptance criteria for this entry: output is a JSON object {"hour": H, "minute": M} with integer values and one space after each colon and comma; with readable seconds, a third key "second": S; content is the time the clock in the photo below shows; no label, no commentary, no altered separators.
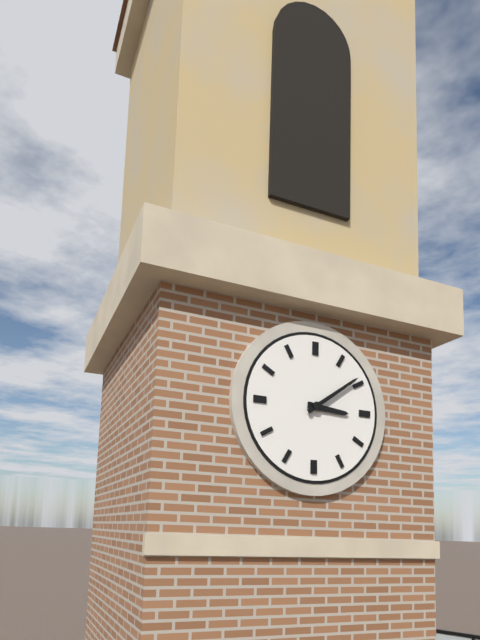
{"hour": 3, "minute": 9}
